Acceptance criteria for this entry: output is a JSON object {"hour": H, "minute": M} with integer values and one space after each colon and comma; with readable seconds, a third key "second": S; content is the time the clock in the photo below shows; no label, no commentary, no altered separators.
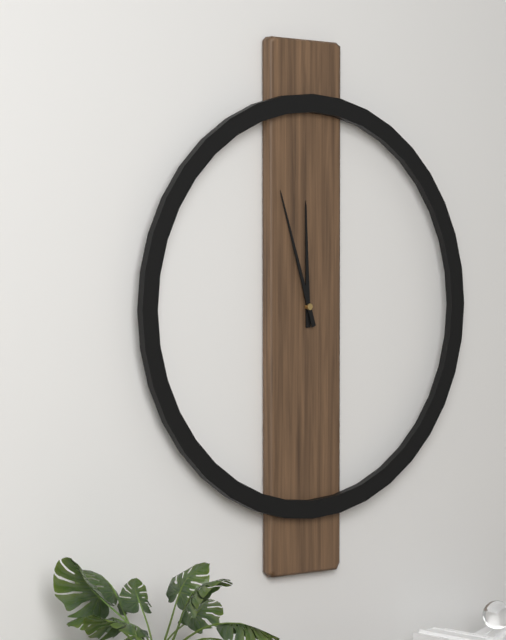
{"hour": 11, "minute": 57}
